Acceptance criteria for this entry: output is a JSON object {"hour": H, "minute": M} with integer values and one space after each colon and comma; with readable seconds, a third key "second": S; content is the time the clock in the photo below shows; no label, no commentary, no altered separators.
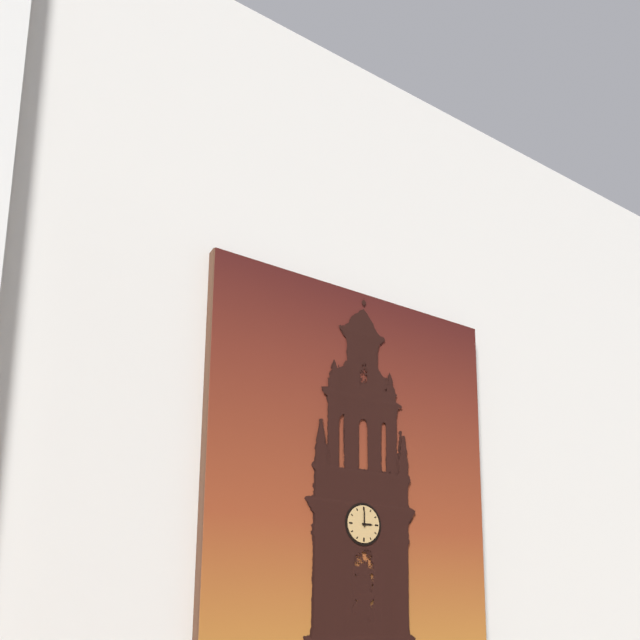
{"hour": 3, "minute": 0}
